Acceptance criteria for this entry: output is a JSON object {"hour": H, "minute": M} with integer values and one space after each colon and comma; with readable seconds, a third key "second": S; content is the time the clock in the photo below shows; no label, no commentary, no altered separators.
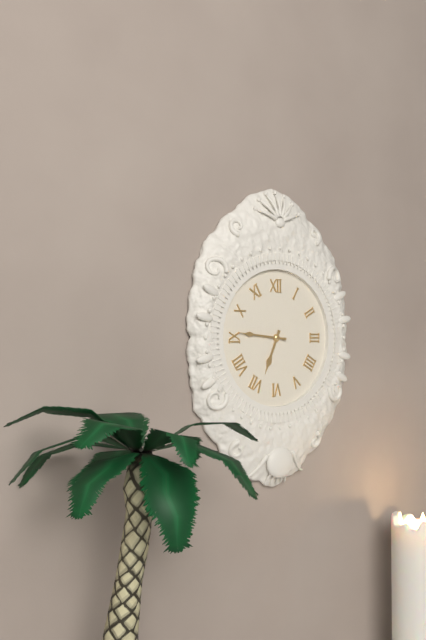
{"hour": 6, "minute": 46}
